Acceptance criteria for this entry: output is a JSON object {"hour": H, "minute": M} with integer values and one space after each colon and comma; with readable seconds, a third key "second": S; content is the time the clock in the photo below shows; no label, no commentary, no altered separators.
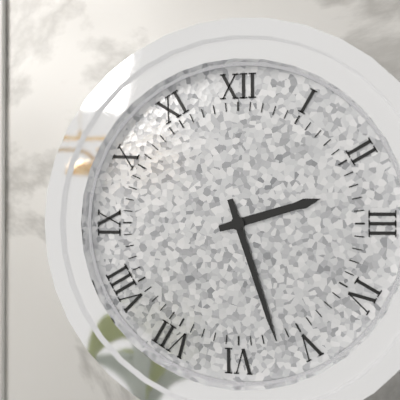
{"hour": 2, "minute": 27}
